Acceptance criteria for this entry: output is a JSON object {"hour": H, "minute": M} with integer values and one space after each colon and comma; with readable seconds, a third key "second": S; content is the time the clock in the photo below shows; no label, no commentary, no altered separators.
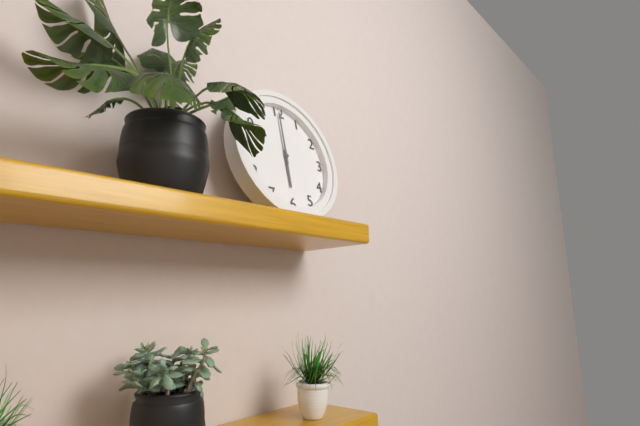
{"hour": 6, "minute": 0}
